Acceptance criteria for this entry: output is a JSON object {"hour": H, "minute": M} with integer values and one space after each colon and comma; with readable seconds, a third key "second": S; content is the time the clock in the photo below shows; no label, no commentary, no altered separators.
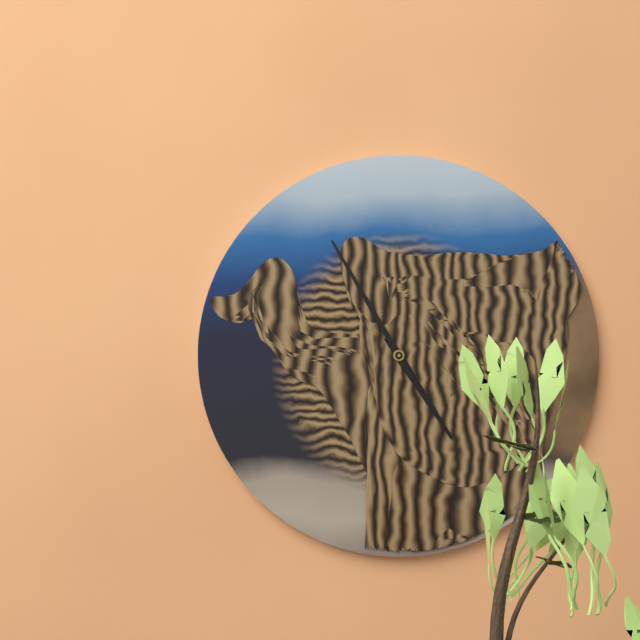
{"hour": 4, "minute": 55}
